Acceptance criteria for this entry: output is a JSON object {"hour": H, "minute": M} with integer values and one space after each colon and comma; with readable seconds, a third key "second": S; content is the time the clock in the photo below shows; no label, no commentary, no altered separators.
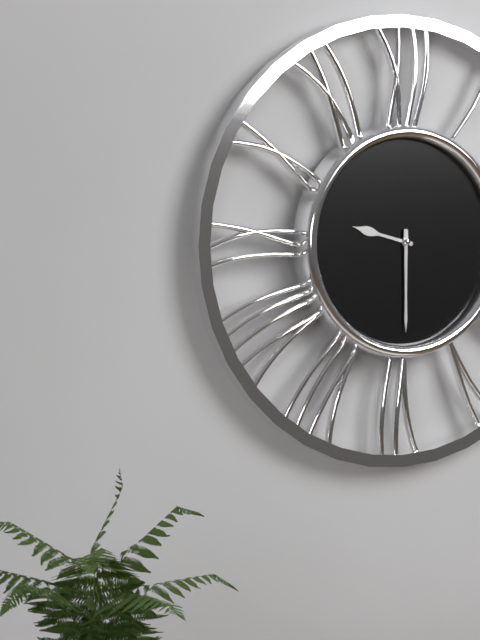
{"hour": 9, "minute": 30}
